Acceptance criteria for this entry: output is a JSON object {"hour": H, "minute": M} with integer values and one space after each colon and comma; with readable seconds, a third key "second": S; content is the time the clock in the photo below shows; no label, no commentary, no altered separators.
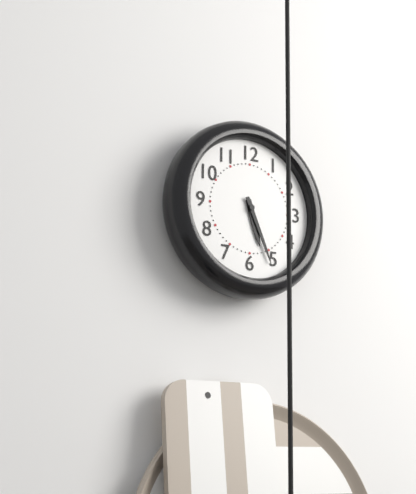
{"hour": 5, "minute": 26}
